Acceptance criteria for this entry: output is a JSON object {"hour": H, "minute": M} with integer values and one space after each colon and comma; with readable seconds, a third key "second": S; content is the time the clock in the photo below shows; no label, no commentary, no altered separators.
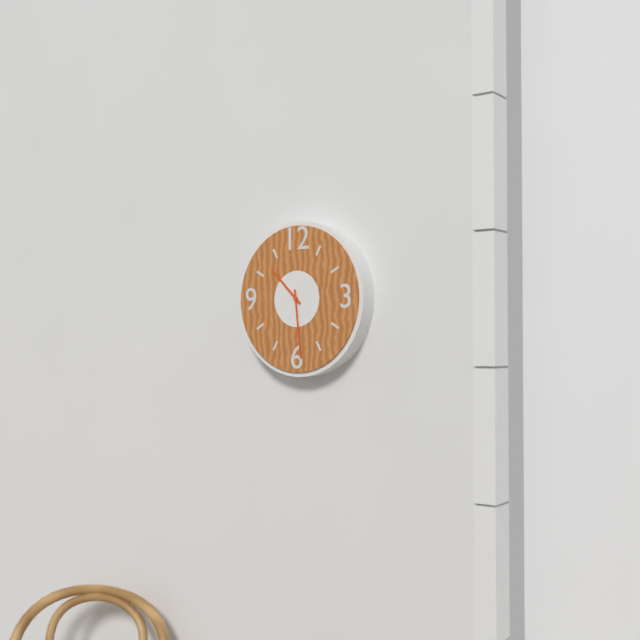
{"hour": 10, "minute": 29}
